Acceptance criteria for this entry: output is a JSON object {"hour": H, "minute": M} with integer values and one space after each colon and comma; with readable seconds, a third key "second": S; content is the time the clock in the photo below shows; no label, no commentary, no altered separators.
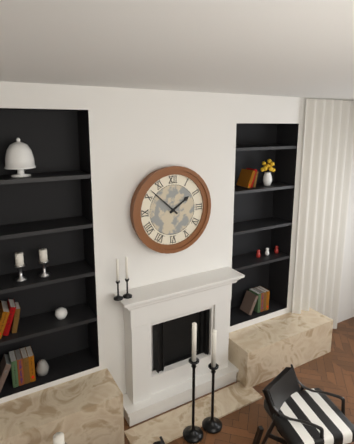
{"hour": 1, "minute": 52}
